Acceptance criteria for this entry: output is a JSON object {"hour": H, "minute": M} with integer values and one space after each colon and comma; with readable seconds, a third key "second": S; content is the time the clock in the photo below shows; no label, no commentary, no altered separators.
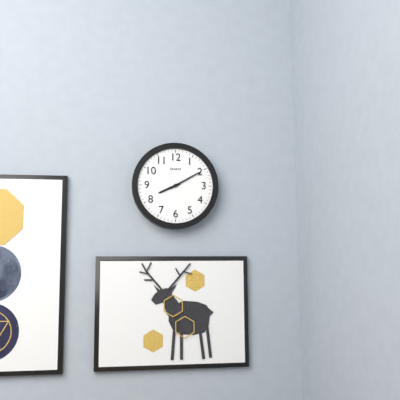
{"hour": 8, "minute": 10}
